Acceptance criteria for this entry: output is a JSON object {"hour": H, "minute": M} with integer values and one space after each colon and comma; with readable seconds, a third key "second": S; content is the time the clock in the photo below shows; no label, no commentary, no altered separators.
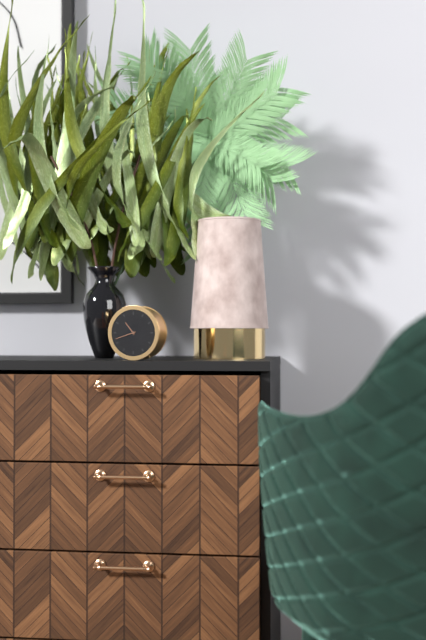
{"hour": 10, "minute": 42}
